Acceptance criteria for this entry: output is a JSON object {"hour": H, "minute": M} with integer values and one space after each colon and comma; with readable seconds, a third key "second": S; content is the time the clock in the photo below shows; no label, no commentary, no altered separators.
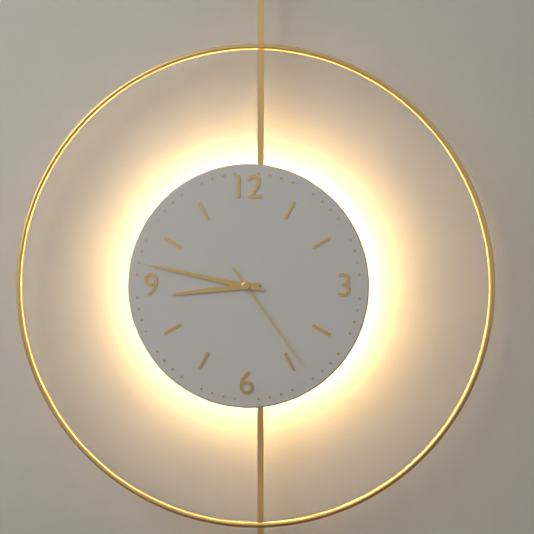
{"hour": 8, "minute": 47, "second": 24}
